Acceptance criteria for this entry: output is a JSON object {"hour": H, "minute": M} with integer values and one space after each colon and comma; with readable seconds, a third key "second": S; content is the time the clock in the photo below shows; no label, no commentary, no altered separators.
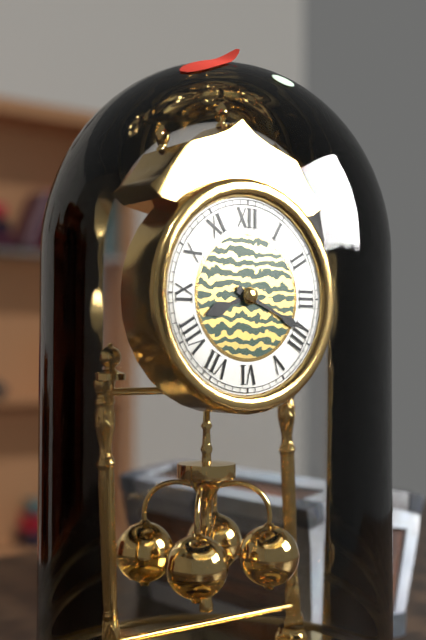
{"hour": 8, "minute": 19}
